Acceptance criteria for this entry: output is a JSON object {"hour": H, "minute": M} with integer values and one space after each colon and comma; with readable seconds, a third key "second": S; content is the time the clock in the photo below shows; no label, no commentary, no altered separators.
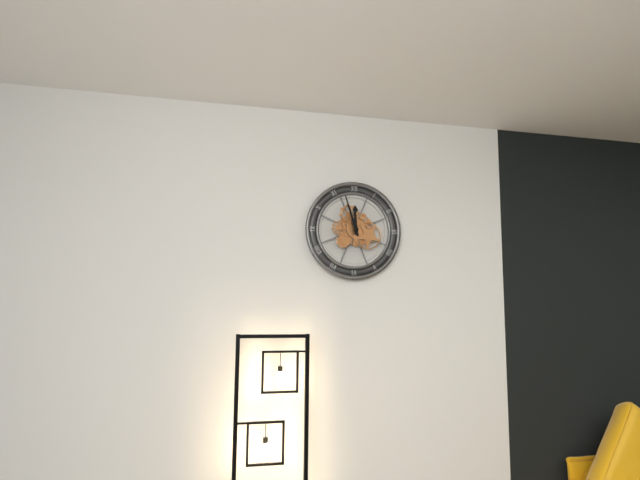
{"hour": 11, "minute": 57}
